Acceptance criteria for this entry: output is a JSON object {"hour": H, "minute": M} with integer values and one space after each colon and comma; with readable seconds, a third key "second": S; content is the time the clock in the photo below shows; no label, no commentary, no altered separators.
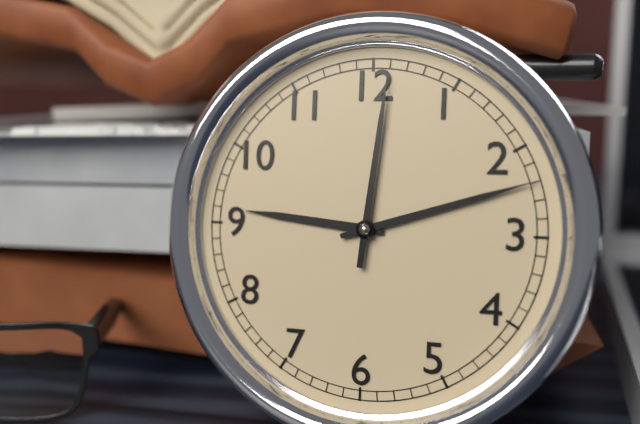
{"hour": 9, "minute": 12, "second": 1}
